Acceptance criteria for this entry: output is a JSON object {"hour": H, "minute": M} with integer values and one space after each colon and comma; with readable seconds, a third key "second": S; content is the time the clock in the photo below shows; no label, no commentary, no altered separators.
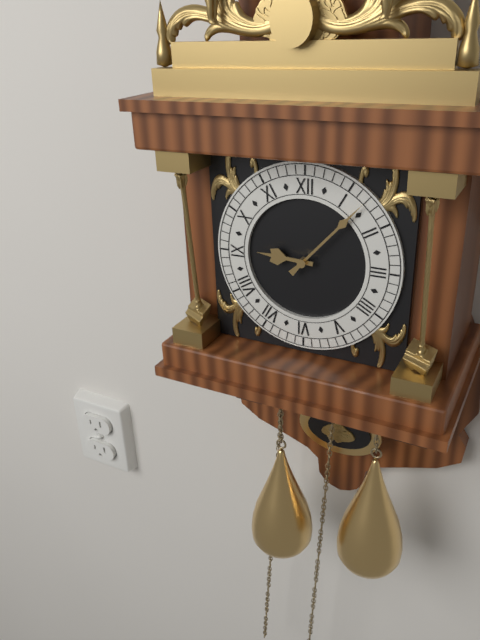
{"hour": 9, "minute": 7}
